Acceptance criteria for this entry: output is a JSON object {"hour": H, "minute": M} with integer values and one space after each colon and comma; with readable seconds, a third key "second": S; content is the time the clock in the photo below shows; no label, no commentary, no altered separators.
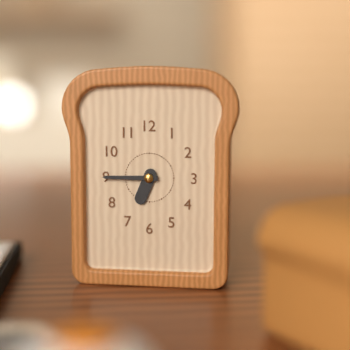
{"hour": 6, "minute": 45}
